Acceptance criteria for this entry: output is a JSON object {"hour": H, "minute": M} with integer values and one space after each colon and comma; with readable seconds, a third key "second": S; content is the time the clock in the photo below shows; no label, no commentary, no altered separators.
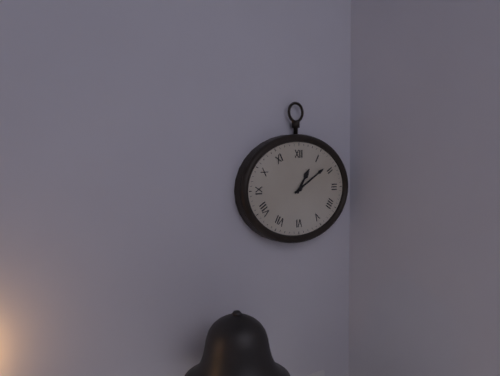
{"hour": 1, "minute": 10}
